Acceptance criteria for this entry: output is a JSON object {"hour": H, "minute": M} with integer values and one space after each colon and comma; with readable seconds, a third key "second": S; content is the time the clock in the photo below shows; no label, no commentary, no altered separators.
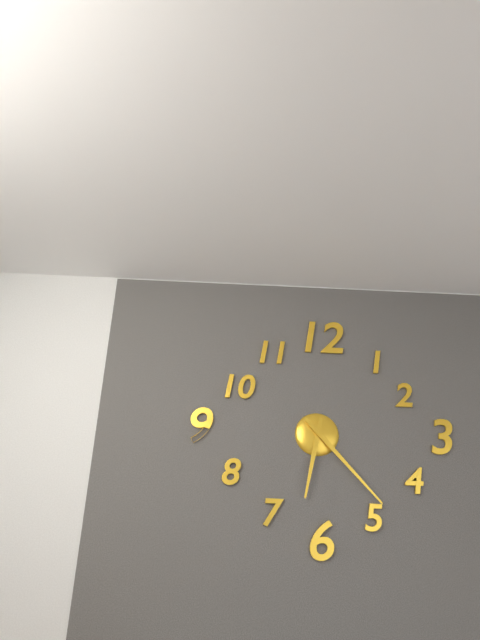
{"hour": 6, "minute": 23}
